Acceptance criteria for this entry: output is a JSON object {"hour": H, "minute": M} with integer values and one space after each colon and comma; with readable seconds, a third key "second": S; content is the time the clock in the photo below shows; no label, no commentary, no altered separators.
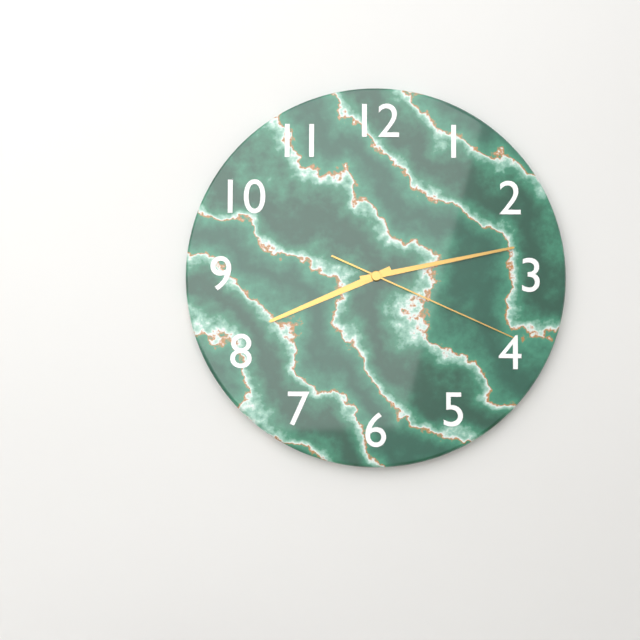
{"hour": 8, "minute": 13, "second": 19}
